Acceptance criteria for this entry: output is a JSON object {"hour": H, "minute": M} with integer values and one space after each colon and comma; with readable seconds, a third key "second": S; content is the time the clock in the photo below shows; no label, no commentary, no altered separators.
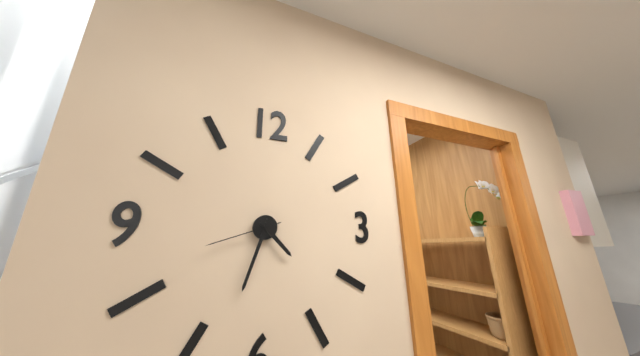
{"hour": 4, "minute": 33, "second": 42}
